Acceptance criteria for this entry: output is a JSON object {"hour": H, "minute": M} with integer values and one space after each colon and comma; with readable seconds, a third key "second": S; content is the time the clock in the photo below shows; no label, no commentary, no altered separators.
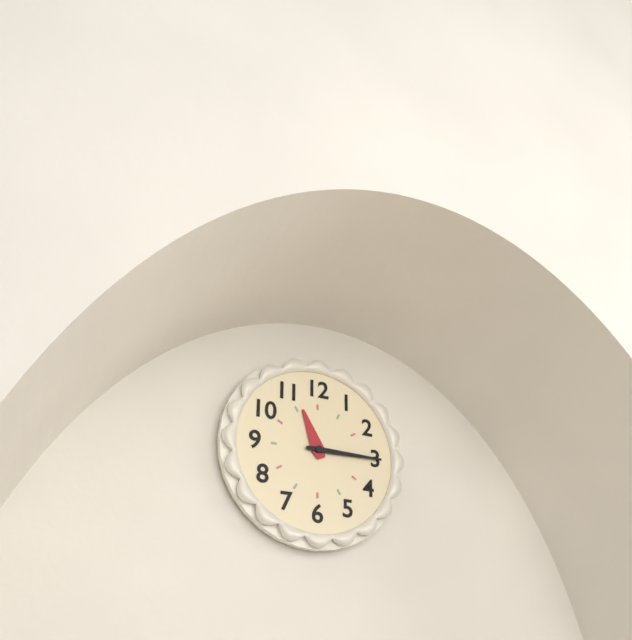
{"hour": 11, "minute": 15}
